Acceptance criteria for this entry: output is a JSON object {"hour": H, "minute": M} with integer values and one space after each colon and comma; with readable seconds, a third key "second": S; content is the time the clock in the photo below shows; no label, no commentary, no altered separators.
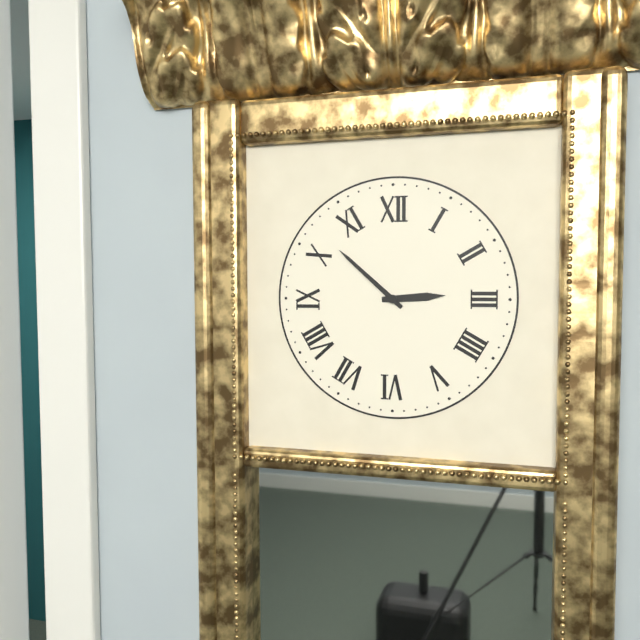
{"hour": 2, "minute": 52}
